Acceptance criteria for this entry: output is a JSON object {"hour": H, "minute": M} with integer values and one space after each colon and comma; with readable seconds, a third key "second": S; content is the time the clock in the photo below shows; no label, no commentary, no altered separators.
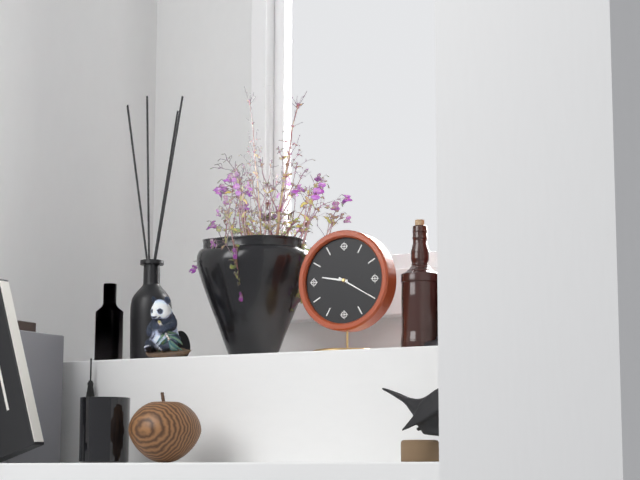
{"hour": 9, "minute": 20}
